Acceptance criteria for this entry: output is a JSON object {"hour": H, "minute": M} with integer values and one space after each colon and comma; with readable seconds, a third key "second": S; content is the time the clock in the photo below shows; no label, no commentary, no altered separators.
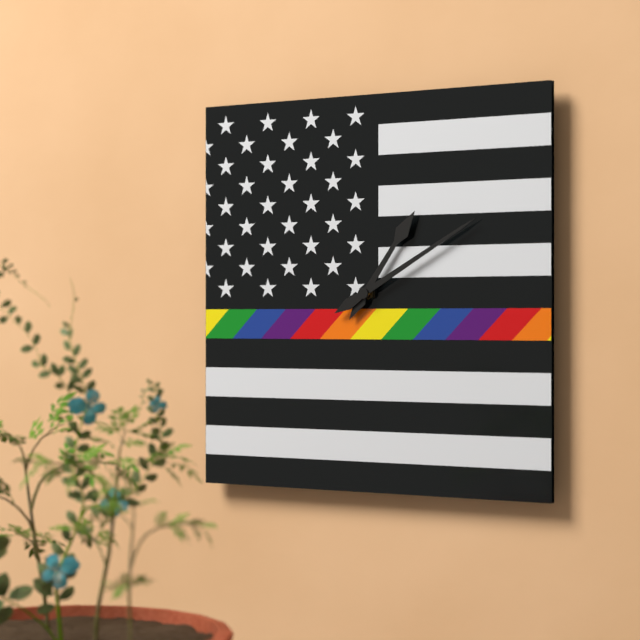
{"hour": 1, "minute": 10}
